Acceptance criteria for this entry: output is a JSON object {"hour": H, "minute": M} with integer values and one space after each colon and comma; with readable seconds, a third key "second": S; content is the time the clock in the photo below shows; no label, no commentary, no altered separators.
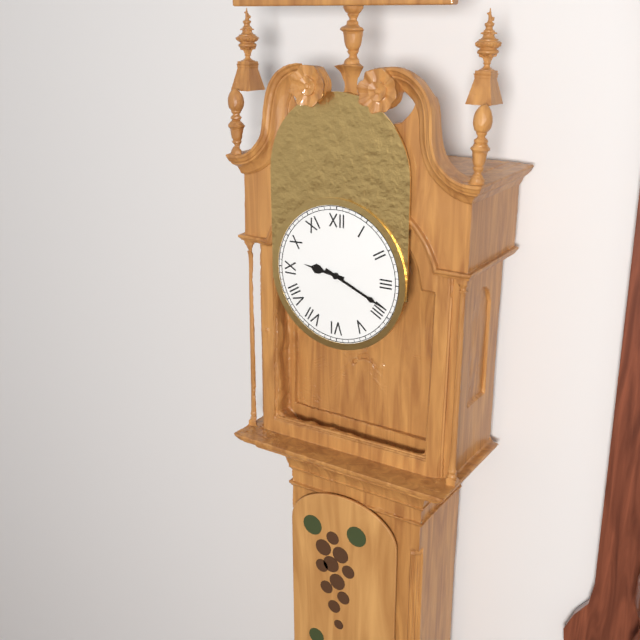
{"hour": 9, "minute": 19}
